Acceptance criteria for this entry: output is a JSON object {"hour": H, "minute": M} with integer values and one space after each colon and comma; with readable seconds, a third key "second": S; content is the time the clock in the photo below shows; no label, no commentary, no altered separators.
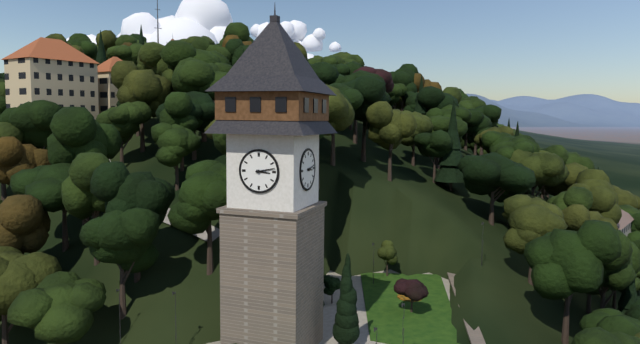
{"hour": 3, "minute": 13}
